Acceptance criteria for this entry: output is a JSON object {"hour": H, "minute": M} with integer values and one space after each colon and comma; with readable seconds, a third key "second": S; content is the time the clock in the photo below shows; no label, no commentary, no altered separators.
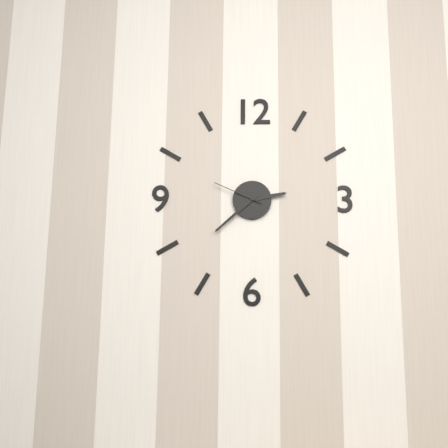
{"hour": 2, "minute": 38, "second": 49}
